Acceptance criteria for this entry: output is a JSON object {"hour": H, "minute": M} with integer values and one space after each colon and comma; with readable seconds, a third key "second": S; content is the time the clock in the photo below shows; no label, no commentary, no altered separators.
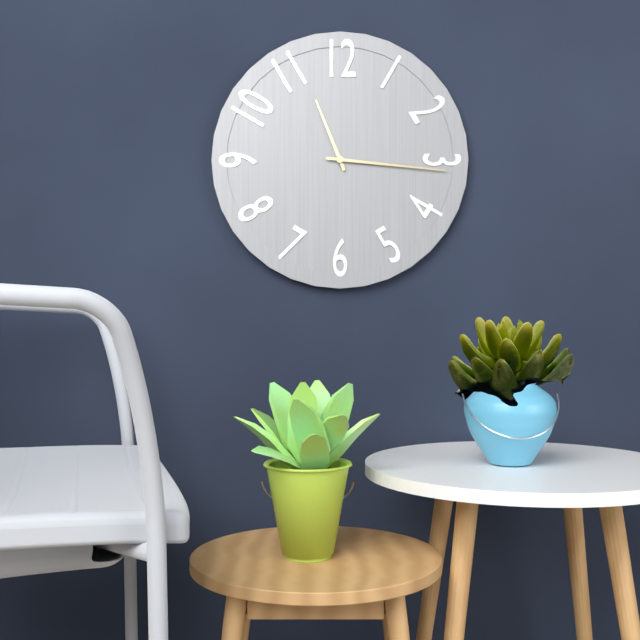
{"hour": 11, "minute": 16}
